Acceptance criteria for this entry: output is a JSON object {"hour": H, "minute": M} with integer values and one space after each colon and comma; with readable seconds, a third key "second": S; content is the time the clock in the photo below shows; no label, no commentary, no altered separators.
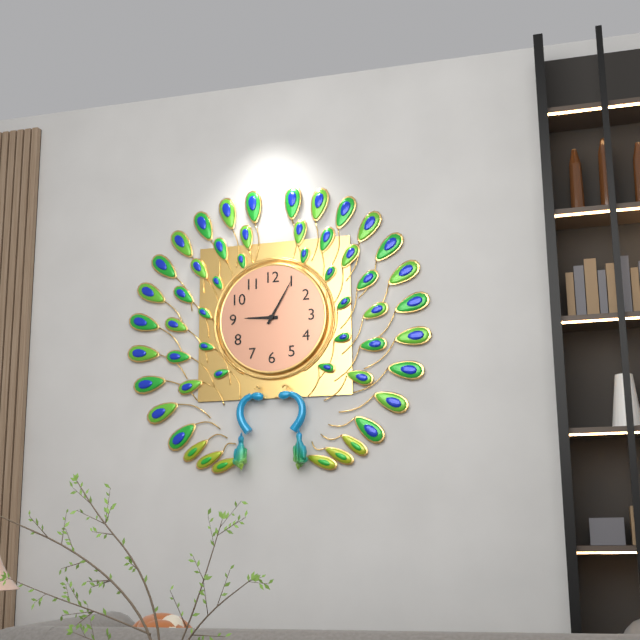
{"hour": 9, "minute": 5}
